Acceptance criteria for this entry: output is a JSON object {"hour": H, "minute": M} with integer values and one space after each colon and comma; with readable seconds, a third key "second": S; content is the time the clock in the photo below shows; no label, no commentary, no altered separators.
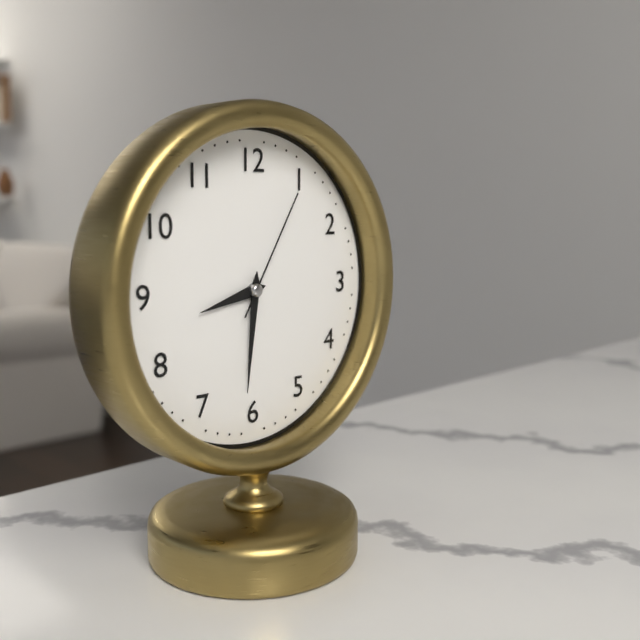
{"hour": 8, "minute": 31, "second": 5}
